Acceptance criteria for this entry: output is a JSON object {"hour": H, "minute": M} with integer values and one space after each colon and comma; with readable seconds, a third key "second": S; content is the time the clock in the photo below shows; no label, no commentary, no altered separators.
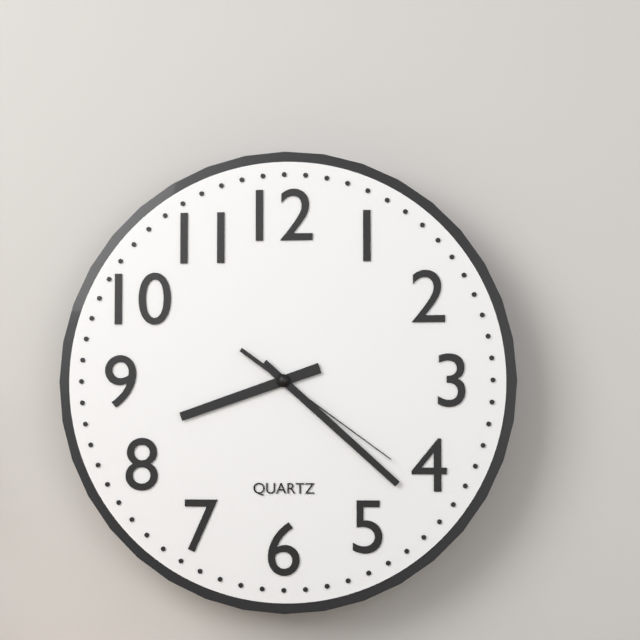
{"hour": 8, "minute": 22, "second": 21}
